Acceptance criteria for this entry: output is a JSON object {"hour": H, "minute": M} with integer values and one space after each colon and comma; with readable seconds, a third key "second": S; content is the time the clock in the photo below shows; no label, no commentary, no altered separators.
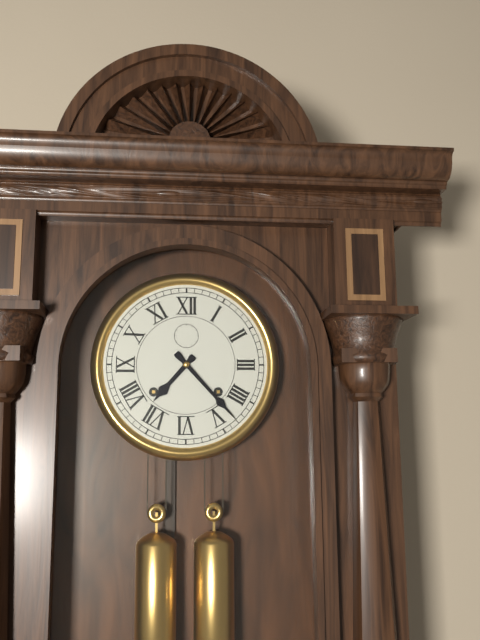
{"hour": 7, "minute": 23}
